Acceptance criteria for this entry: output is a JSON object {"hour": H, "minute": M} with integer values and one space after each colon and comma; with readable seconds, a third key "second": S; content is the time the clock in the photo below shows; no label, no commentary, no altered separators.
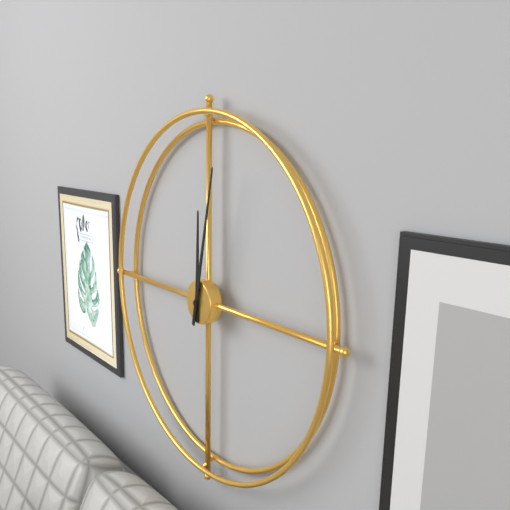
{"hour": 12, "minute": 2}
